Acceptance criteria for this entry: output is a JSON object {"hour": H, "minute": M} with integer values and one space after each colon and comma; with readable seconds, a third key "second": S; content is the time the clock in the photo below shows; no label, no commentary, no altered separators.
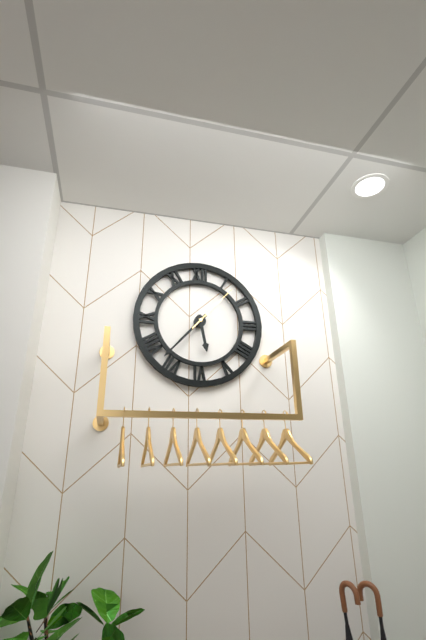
{"hour": 5, "minute": 37, "second": 7}
